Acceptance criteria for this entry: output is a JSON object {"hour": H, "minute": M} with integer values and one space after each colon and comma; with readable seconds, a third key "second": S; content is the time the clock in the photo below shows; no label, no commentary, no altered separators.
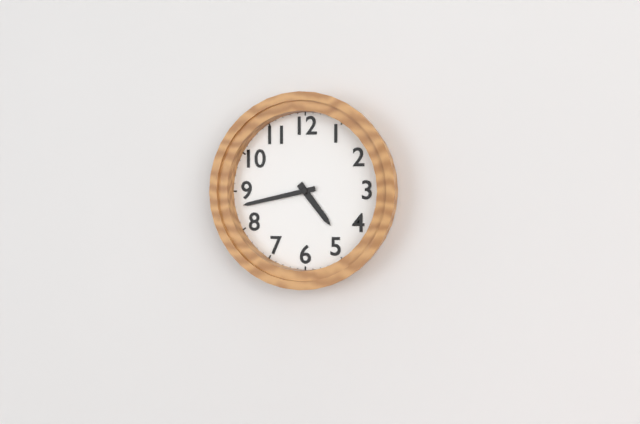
{"hour": 4, "minute": 43}
